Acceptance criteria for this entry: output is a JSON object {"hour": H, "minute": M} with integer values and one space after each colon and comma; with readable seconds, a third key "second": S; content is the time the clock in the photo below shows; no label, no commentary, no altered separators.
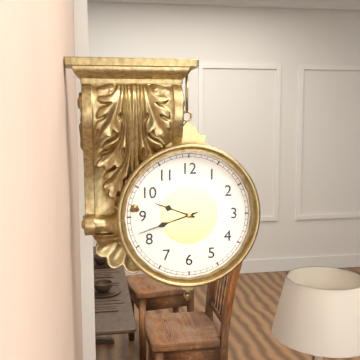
{"hour": 9, "minute": 42}
